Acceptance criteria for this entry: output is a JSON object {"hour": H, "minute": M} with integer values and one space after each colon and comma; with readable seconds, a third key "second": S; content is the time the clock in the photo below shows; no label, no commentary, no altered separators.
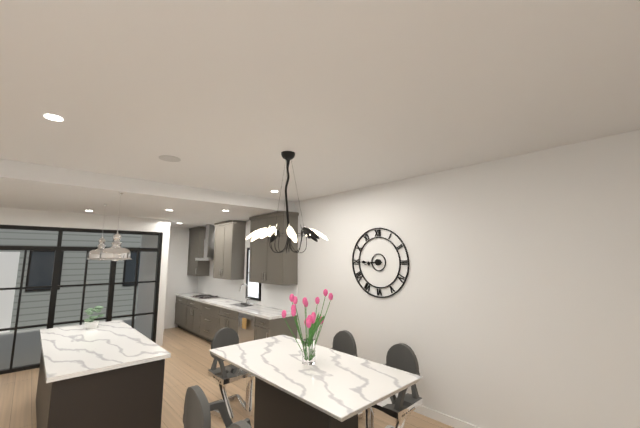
{"hour": 8, "minute": 45}
